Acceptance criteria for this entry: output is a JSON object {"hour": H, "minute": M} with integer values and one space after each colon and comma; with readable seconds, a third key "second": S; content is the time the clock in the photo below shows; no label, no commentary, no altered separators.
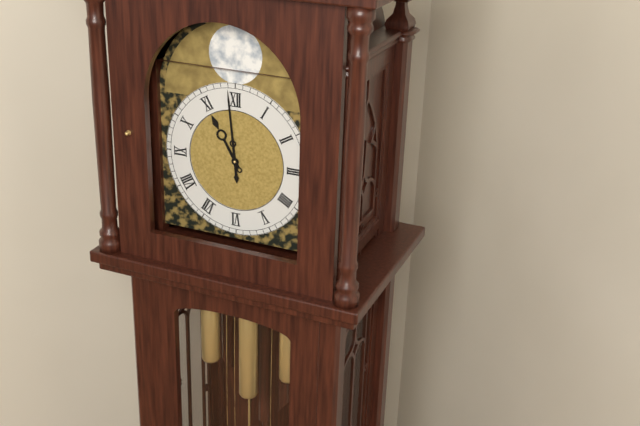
{"hour": 10, "minute": 59}
